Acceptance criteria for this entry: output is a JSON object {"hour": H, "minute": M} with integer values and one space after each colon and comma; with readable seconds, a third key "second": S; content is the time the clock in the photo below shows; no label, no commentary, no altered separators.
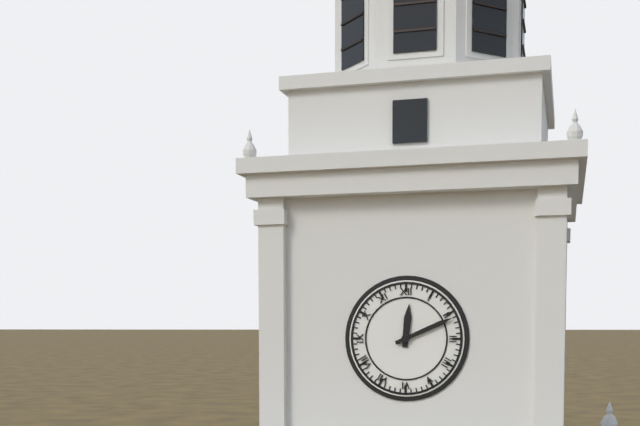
{"hour": 12, "minute": 11}
